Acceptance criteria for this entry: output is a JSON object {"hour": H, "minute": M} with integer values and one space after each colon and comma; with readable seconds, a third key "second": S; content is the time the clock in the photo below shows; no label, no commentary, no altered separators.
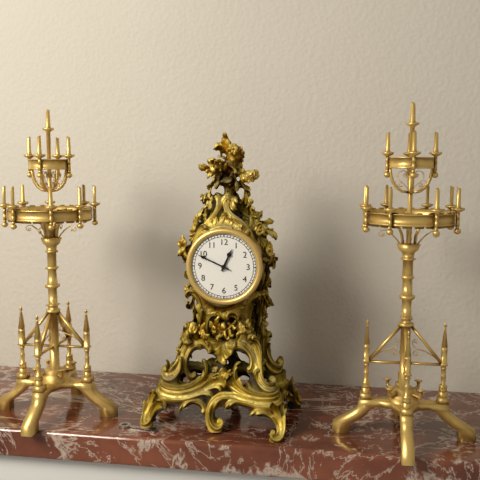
{"hour": 12, "minute": 49}
